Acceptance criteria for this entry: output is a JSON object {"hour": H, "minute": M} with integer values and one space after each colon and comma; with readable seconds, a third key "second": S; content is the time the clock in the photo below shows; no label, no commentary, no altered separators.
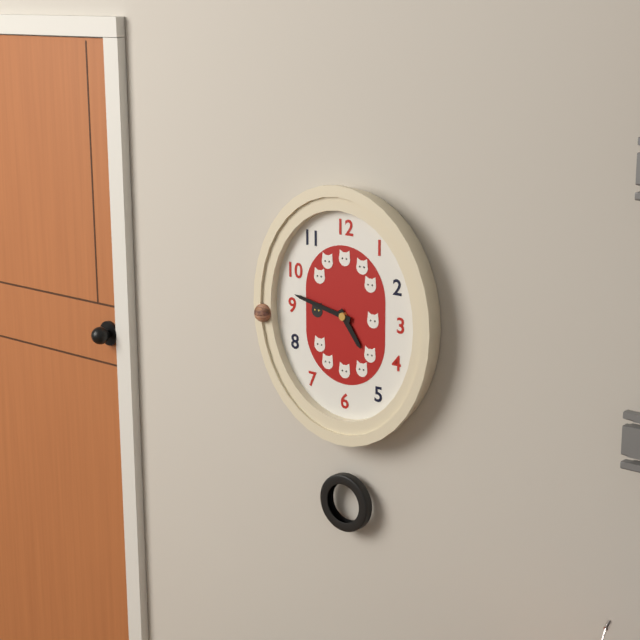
{"hour": 4, "minute": 47}
